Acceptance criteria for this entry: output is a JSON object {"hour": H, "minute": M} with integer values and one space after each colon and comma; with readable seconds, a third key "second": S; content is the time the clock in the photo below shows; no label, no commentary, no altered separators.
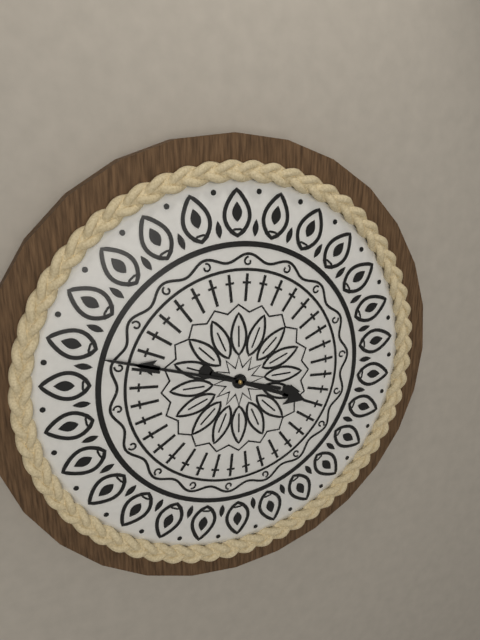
{"hour": 3, "minute": 48}
